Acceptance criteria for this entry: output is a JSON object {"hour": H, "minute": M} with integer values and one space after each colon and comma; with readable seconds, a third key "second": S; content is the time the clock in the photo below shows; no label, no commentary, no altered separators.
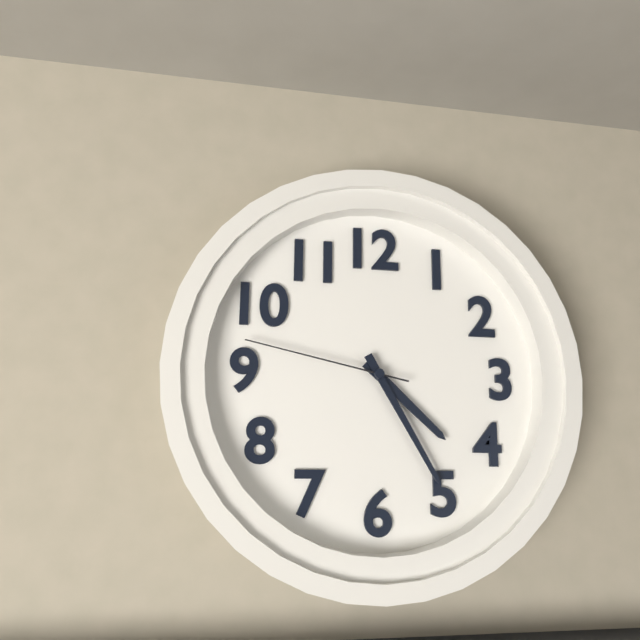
{"hour": 4, "minute": 25, "second": 47}
